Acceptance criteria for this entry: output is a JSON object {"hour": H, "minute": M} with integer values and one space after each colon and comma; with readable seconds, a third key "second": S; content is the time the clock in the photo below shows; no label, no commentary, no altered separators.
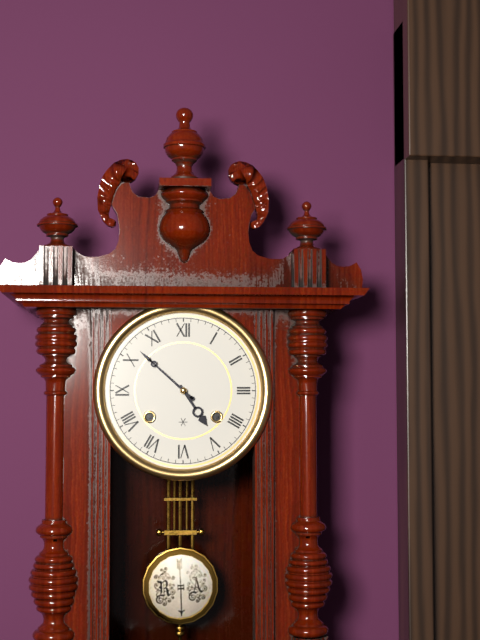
{"hour": 4, "minute": 52}
